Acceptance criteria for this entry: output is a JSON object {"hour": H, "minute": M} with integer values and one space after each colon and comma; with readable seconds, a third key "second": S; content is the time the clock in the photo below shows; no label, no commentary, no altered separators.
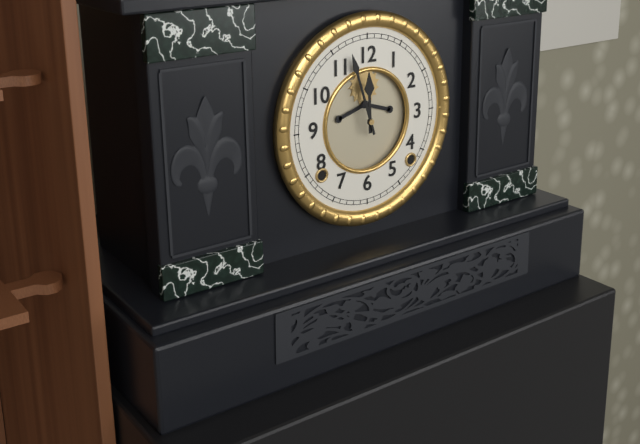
{"hour": 11, "minute": 57}
